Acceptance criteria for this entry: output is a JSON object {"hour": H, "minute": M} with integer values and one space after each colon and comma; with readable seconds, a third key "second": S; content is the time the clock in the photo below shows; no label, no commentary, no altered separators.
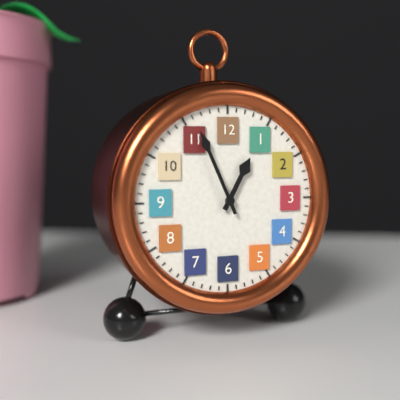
{"hour": 12, "minute": 56}
